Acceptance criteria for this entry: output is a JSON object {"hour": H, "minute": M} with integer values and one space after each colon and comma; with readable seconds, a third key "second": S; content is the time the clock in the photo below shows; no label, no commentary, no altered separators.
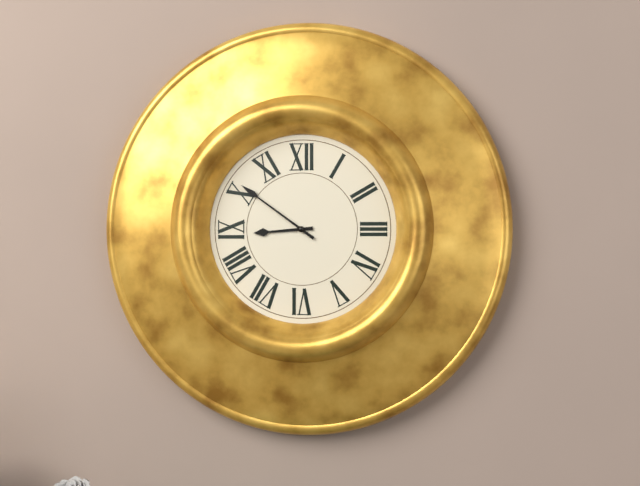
{"hour": 8, "minute": 51}
